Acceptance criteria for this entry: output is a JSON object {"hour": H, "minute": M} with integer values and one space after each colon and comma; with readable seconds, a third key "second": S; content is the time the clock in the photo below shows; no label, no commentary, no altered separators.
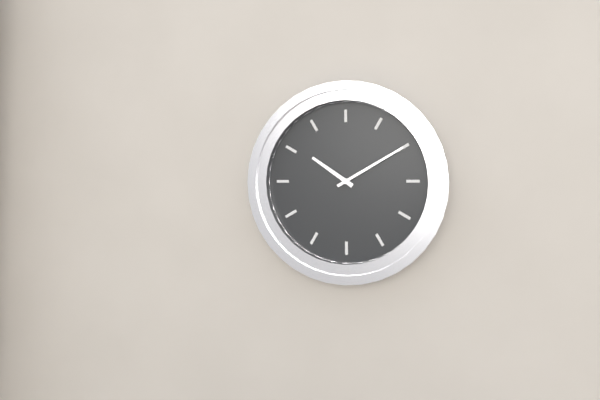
{"hour": 10, "minute": 10}
